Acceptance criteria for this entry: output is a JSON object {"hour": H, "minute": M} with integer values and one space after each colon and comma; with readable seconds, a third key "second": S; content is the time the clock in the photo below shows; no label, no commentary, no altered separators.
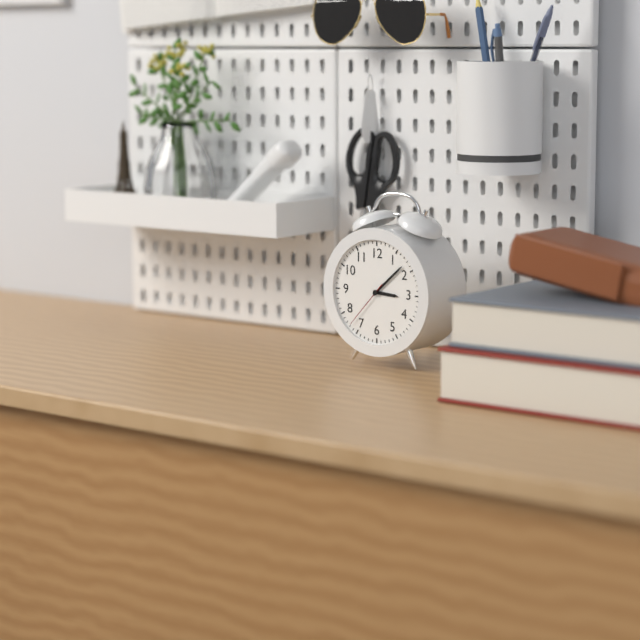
{"hour": 3, "minute": 8, "second": 37}
